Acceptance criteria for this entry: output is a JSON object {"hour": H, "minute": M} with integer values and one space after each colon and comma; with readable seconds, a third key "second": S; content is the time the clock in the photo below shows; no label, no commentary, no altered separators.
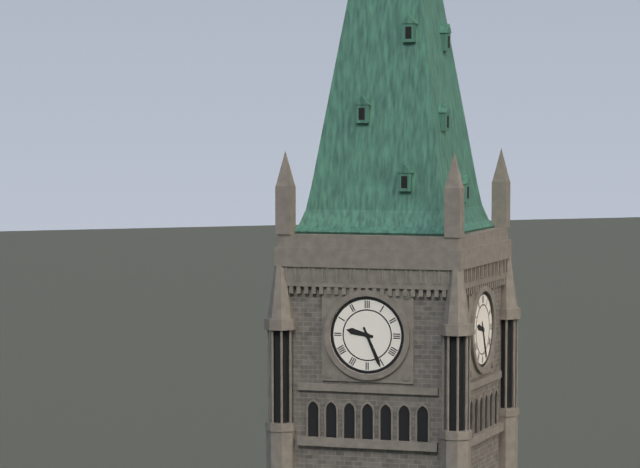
{"hour": 9, "minute": 26}
